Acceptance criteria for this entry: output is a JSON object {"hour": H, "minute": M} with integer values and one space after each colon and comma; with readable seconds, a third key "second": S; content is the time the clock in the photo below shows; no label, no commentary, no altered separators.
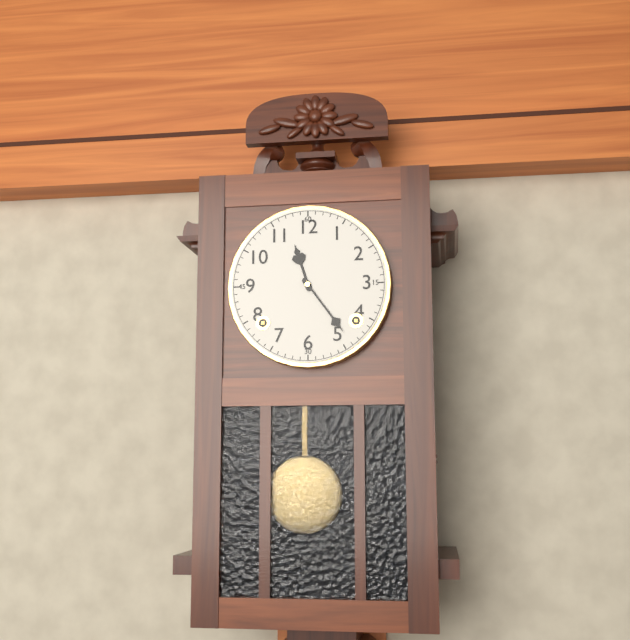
{"hour": 11, "minute": 24}
